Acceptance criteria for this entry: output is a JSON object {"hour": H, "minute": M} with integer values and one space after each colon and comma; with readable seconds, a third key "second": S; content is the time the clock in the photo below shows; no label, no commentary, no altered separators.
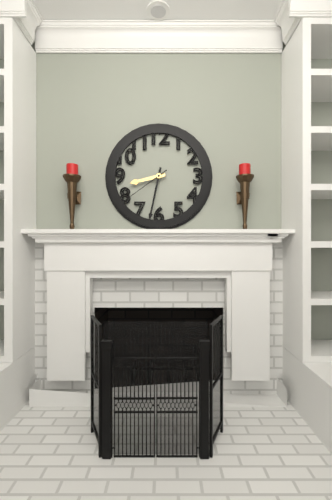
{"hour": 8, "minute": 32, "second": 39}
